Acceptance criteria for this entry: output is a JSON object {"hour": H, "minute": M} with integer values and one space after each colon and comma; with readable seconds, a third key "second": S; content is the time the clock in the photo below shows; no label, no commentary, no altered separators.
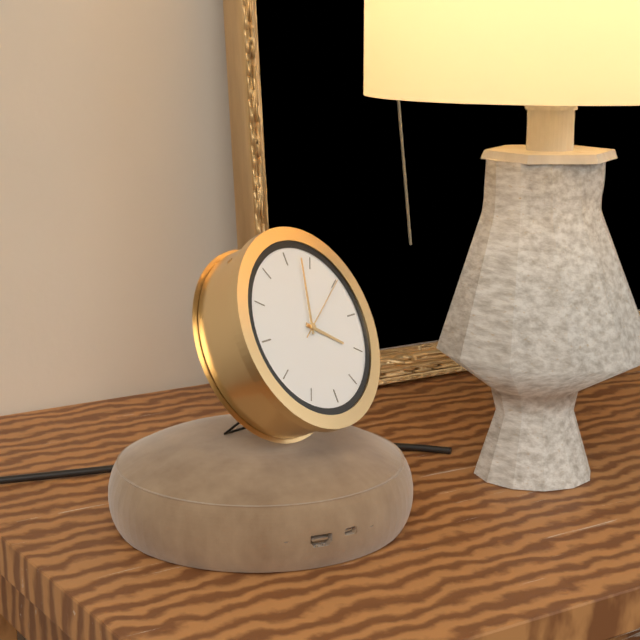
{"hour": 4, "minute": 3, "second": 10}
